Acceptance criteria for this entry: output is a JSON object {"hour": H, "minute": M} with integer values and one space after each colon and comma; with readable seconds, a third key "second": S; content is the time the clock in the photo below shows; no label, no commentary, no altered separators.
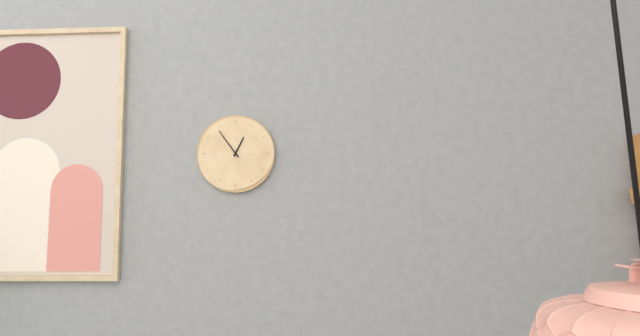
{"hour": 12, "minute": 54}
